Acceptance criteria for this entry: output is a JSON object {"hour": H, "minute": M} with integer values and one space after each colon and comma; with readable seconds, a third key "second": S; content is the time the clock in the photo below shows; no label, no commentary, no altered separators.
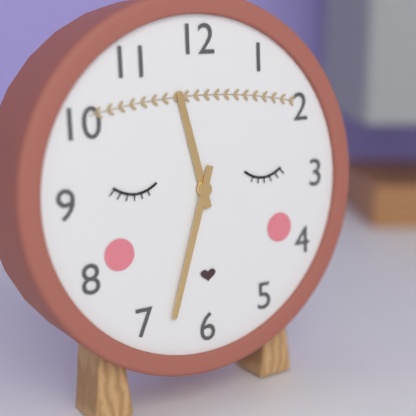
{"hour": 11, "minute": 33}
